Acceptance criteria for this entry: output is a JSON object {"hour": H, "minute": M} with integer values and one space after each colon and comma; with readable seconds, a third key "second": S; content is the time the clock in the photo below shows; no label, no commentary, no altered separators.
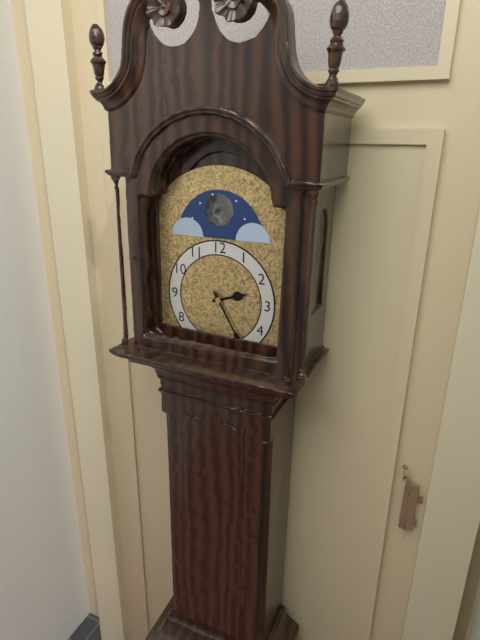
{"hour": 2, "minute": 25}
